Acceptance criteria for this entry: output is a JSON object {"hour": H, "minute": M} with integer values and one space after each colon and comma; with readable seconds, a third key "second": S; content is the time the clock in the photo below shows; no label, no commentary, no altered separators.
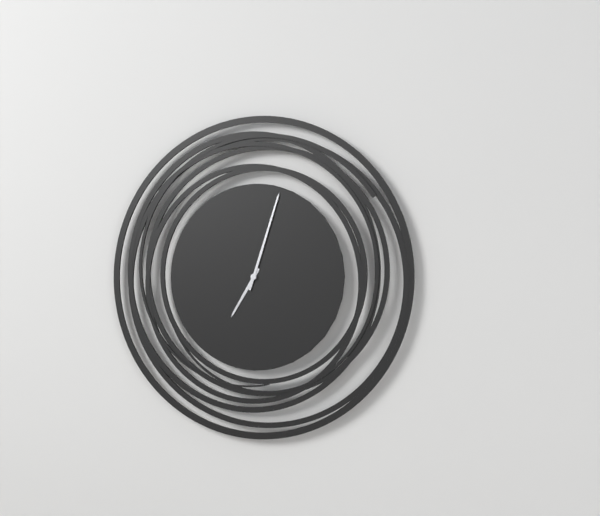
{"hour": 7, "minute": 3}
